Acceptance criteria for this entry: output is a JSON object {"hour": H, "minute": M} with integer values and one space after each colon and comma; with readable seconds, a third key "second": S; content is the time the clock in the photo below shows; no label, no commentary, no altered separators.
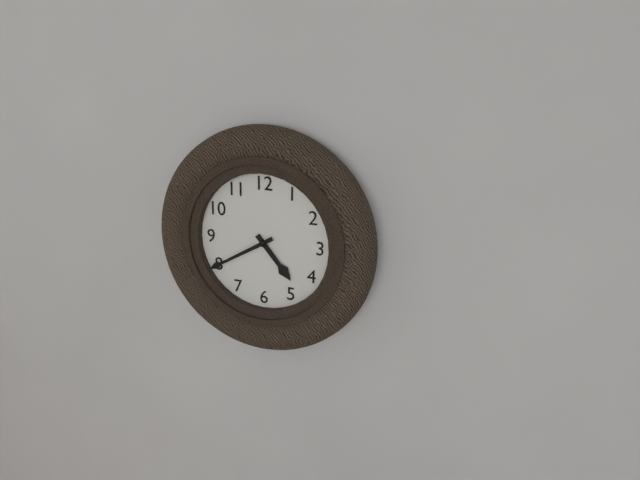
{"hour": 4, "minute": 40}
